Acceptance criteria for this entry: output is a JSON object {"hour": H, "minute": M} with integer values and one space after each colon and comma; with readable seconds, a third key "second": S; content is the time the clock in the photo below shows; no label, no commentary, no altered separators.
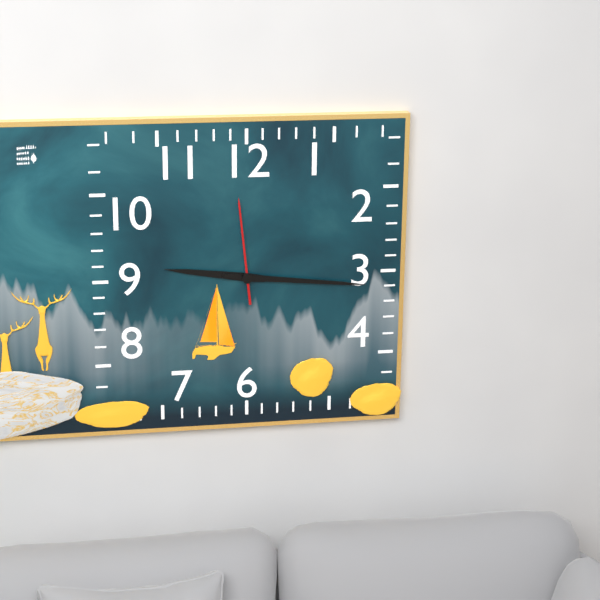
{"hour": 9, "minute": 16, "second": 59}
